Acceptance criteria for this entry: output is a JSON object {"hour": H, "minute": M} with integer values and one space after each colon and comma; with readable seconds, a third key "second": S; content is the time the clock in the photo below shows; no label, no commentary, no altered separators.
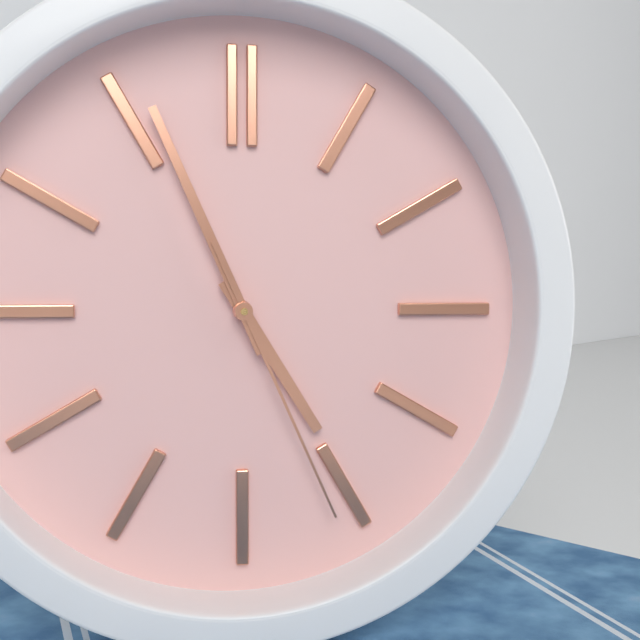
{"hour": 4, "minute": 56, "second": 26}
